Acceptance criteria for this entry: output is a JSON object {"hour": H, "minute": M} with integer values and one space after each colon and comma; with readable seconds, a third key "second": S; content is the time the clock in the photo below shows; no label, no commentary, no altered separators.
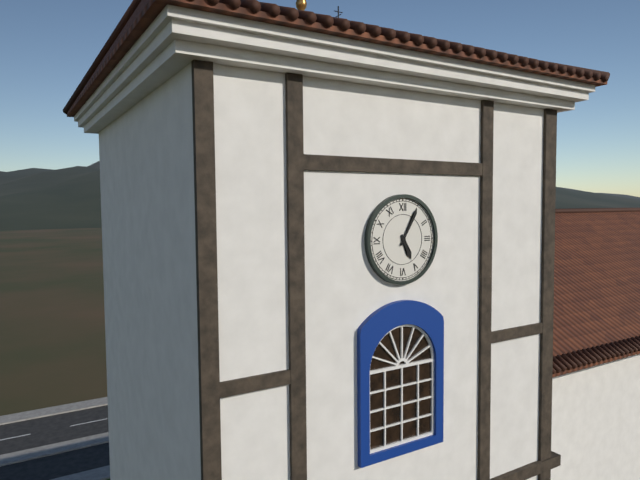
{"hour": 5, "minute": 5}
